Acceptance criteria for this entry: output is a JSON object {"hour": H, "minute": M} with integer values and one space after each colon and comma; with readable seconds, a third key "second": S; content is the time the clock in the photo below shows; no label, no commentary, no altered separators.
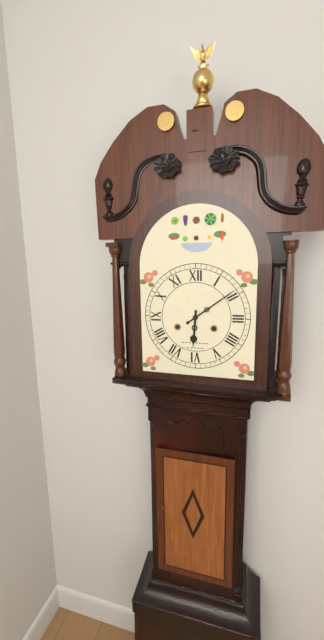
{"hour": 6, "minute": 9}
